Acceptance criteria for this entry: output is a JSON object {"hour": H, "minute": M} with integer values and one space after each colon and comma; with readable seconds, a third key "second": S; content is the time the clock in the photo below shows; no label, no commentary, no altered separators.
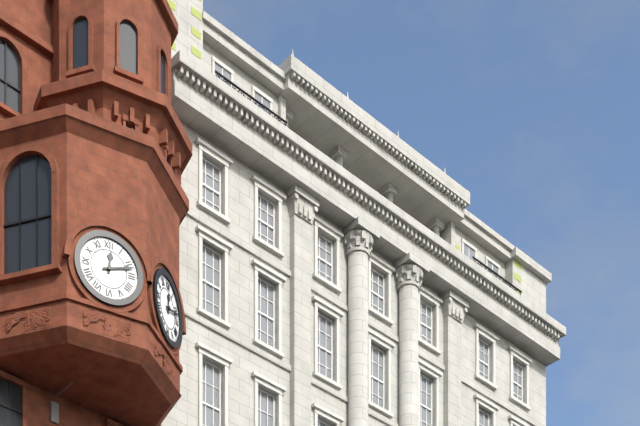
{"hour": 12, "minute": 12}
